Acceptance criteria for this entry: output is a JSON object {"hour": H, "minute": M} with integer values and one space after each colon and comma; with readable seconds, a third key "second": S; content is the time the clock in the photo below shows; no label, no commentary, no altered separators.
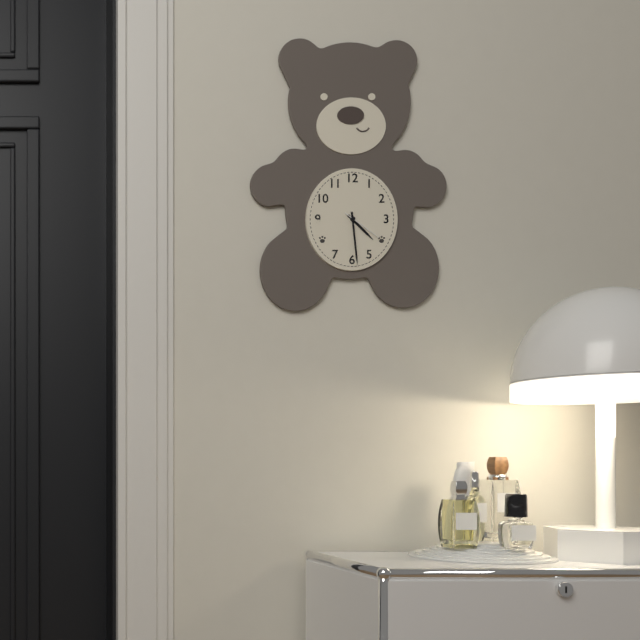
{"hour": 4, "minute": 29}
